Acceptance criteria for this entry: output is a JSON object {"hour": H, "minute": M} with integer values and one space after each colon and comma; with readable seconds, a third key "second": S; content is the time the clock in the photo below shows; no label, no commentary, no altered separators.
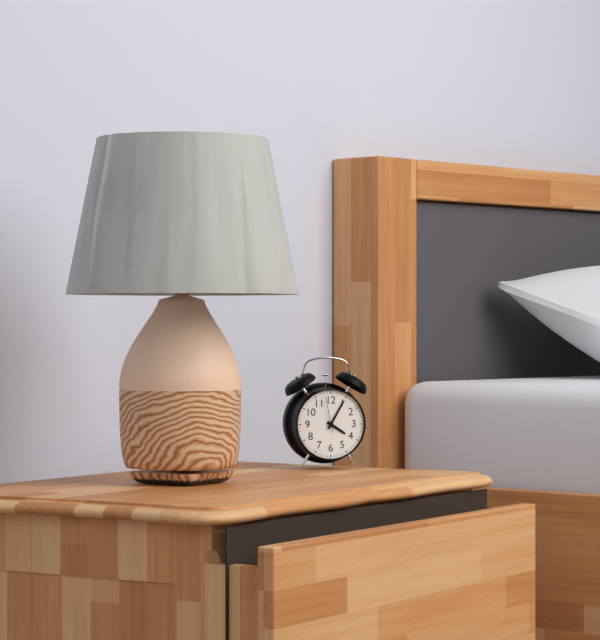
{"hour": 4, "minute": 5}
